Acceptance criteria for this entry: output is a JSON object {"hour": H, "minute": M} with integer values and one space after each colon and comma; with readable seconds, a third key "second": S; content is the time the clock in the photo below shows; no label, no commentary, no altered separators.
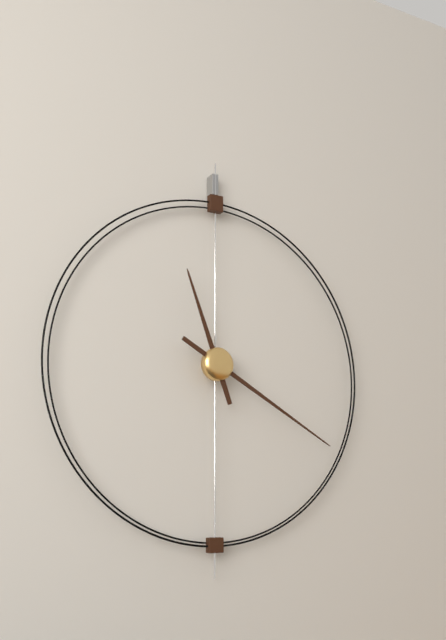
{"hour": 11, "minute": 20}
